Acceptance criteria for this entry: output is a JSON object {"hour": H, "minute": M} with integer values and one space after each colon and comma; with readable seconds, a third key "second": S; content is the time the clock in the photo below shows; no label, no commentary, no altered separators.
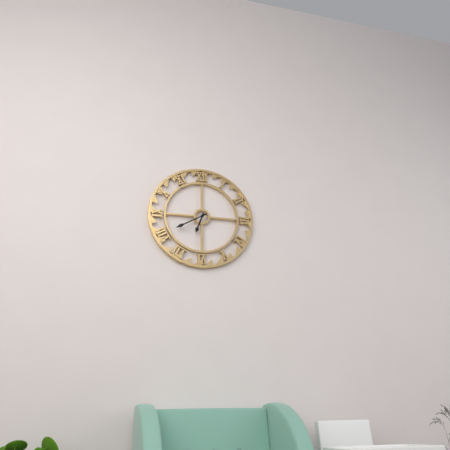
{"hour": 6, "minute": 40}
